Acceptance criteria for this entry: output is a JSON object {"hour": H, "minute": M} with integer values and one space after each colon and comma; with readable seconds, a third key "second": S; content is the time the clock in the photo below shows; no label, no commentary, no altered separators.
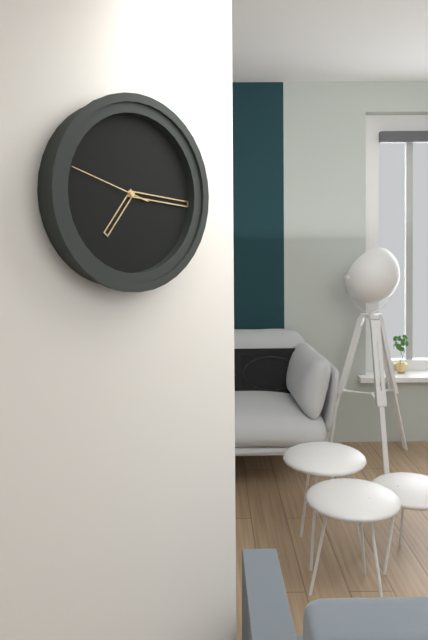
{"hour": 7, "minute": 16, "second": 48}
